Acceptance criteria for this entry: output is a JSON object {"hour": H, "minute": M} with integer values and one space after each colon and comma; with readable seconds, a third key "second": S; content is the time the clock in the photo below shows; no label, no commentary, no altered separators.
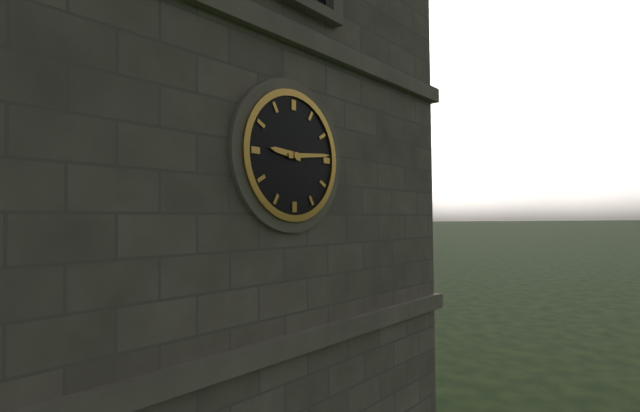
{"hour": 9, "minute": 14}
